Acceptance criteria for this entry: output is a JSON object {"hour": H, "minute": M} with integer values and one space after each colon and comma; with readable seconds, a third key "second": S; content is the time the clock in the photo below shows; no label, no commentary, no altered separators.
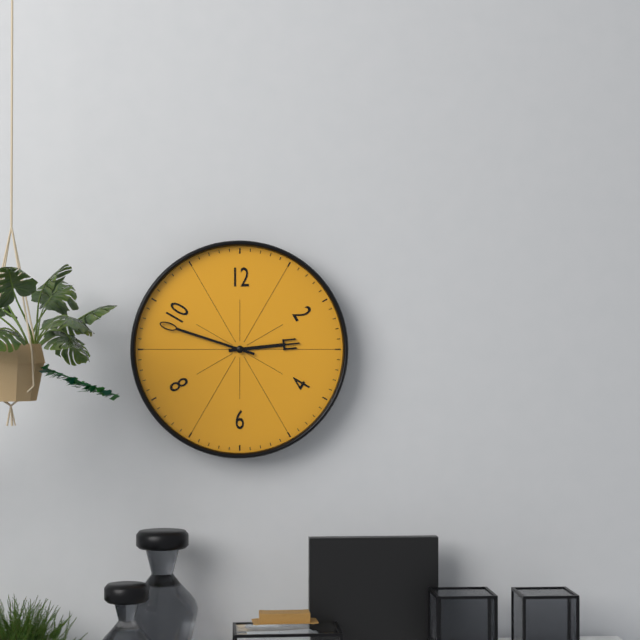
{"hour": 2, "minute": 48}
